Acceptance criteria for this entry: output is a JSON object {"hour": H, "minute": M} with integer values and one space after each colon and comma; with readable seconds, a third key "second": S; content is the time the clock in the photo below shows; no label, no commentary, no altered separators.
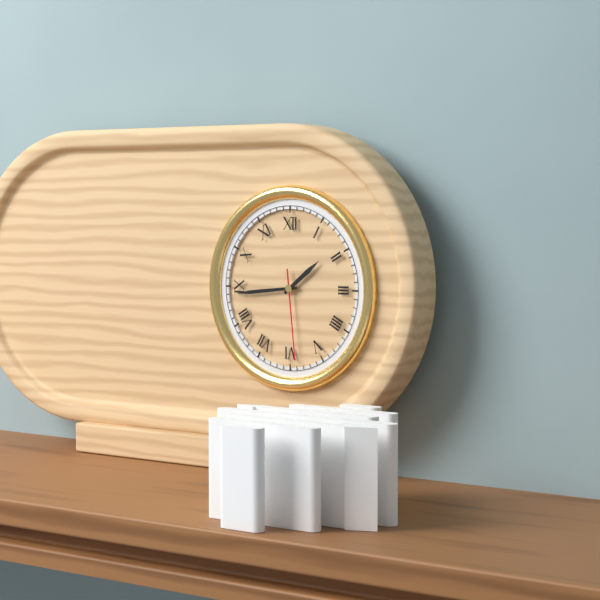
{"hour": 1, "minute": 44, "second": 29}
